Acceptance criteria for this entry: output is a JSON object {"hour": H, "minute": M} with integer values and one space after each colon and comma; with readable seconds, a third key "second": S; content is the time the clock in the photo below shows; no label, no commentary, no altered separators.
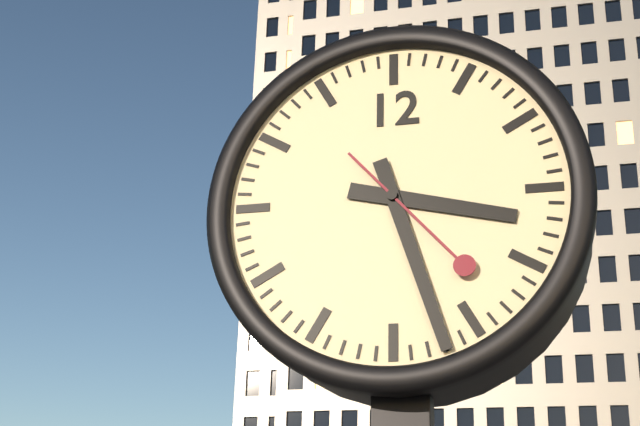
{"hour": 3, "minute": 27, "second": 23}
